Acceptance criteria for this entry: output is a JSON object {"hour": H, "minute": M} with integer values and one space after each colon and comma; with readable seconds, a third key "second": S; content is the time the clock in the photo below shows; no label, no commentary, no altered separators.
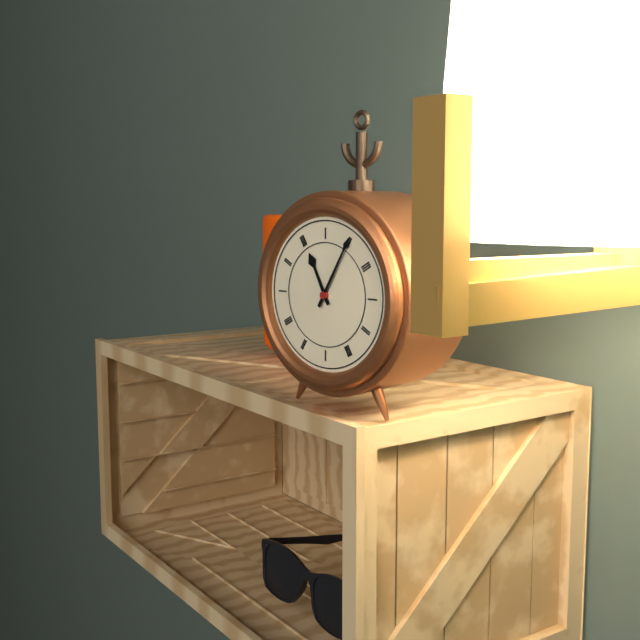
{"hour": 11, "minute": 5}
